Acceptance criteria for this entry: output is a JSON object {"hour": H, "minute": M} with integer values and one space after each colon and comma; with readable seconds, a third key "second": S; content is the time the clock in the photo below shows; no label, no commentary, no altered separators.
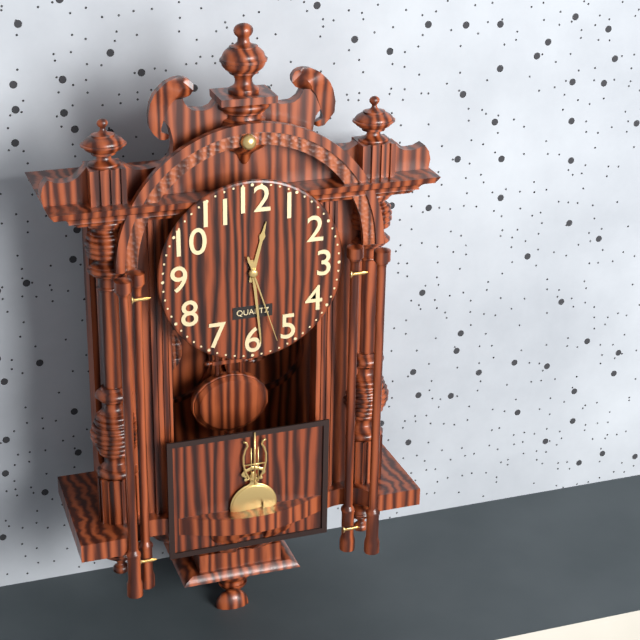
{"hour": 12, "minute": 29, "second": 27}
